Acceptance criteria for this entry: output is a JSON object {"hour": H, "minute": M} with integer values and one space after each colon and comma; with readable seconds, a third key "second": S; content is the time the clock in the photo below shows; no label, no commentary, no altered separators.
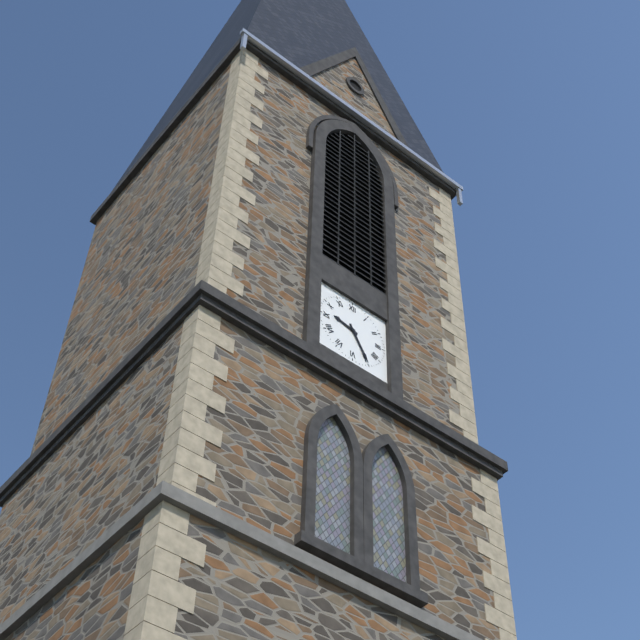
{"hour": 9, "minute": 25}
